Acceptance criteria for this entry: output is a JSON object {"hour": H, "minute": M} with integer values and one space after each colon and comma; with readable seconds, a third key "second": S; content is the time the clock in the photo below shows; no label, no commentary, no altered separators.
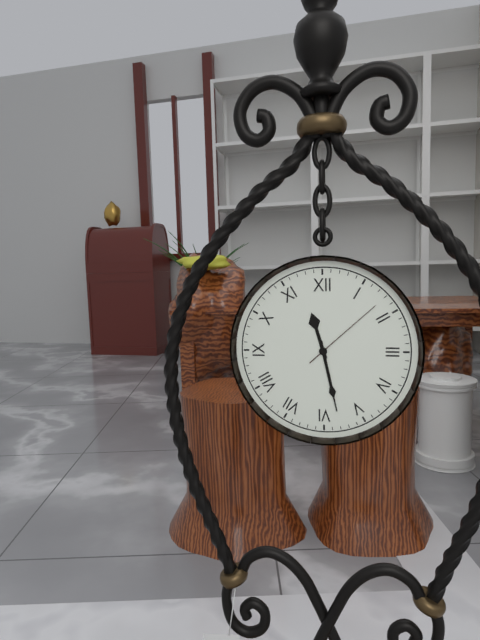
{"hour": 11, "minute": 28, "second": 8}
